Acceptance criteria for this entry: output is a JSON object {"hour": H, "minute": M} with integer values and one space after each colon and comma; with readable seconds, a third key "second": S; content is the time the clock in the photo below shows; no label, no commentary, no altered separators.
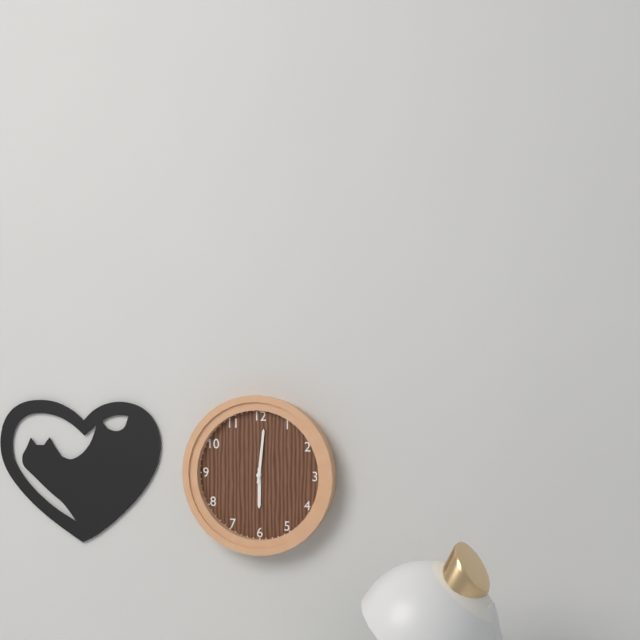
{"hour": 6, "minute": 1}
